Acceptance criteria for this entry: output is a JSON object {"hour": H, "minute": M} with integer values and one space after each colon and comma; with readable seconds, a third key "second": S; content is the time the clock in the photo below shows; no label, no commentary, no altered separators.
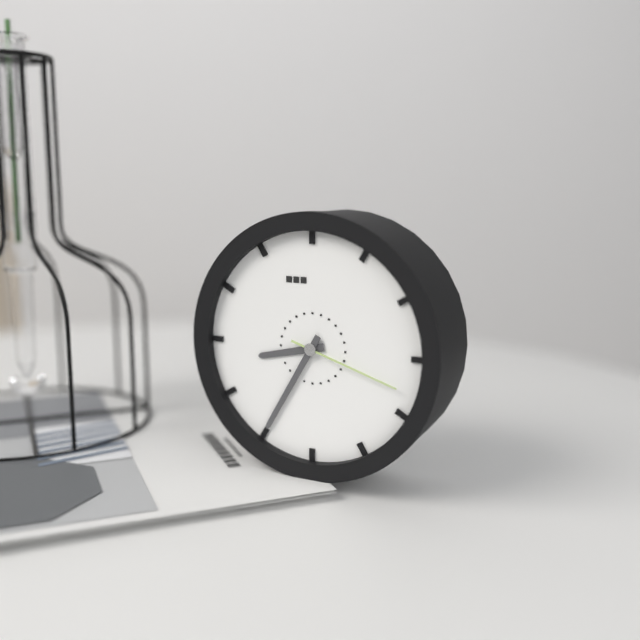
{"hour": 8, "minute": 35, "second": 18}
